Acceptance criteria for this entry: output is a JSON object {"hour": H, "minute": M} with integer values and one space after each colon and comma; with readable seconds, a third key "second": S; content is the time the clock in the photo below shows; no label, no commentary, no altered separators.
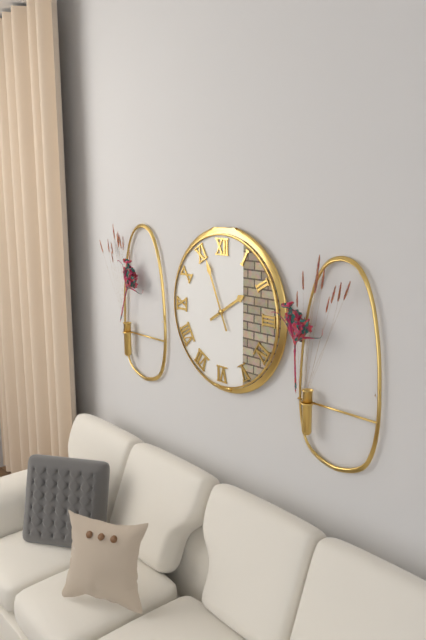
{"hour": 1, "minute": 56}
